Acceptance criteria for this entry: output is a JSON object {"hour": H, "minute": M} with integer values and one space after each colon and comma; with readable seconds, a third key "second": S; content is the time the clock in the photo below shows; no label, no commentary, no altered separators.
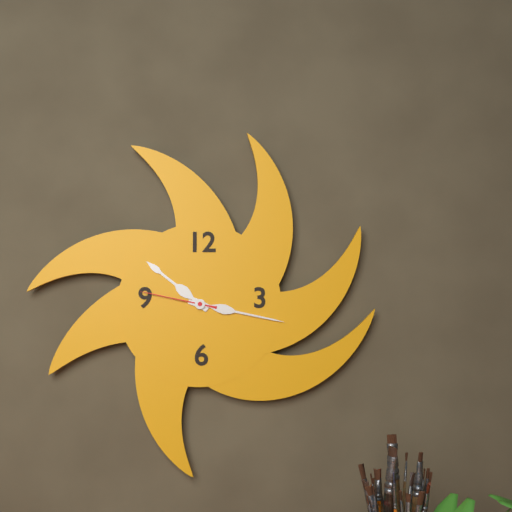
{"hour": 10, "minute": 17, "second": 47}
